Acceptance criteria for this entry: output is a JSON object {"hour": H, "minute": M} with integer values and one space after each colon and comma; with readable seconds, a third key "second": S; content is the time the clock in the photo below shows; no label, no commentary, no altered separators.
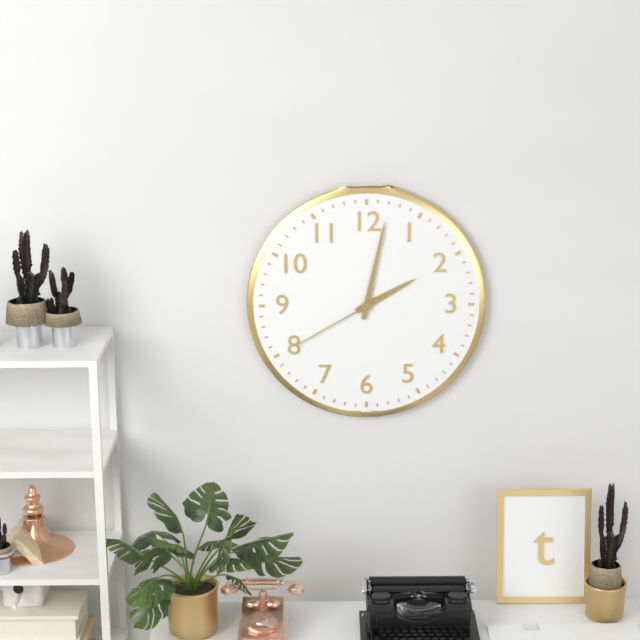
{"hour": 2, "minute": 2, "second": 40}
